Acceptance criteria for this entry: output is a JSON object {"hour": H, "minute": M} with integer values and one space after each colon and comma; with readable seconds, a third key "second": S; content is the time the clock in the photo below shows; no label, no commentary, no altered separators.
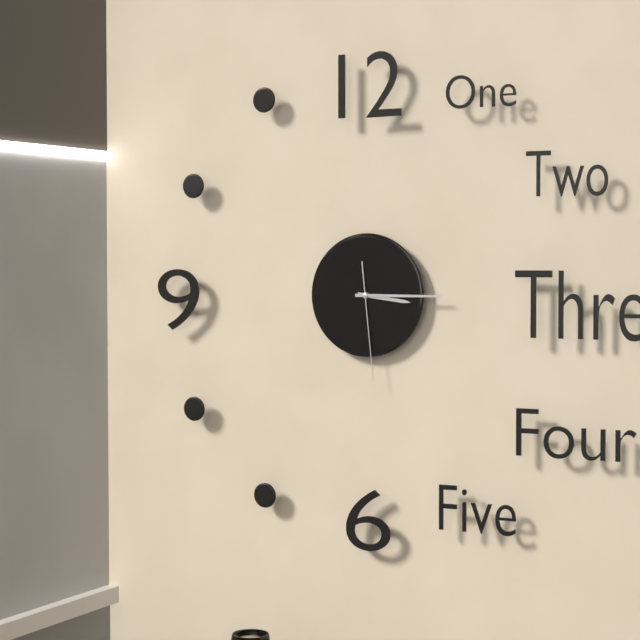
{"hour": 3, "minute": 15, "second": 29}
